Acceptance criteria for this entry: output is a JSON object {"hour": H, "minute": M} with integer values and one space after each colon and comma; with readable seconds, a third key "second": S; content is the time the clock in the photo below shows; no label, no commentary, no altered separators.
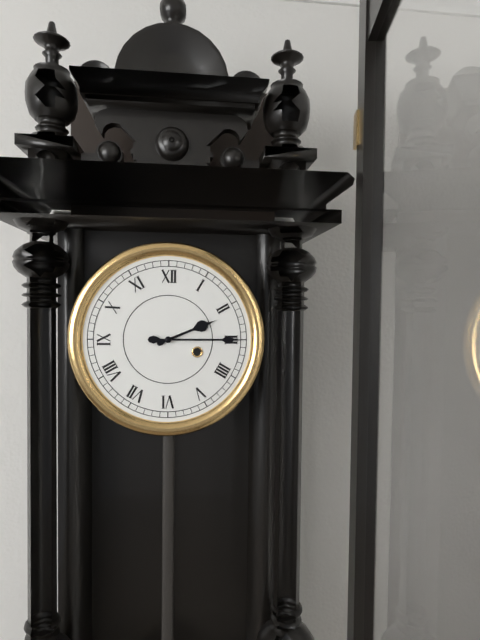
{"hour": 2, "minute": 15}
